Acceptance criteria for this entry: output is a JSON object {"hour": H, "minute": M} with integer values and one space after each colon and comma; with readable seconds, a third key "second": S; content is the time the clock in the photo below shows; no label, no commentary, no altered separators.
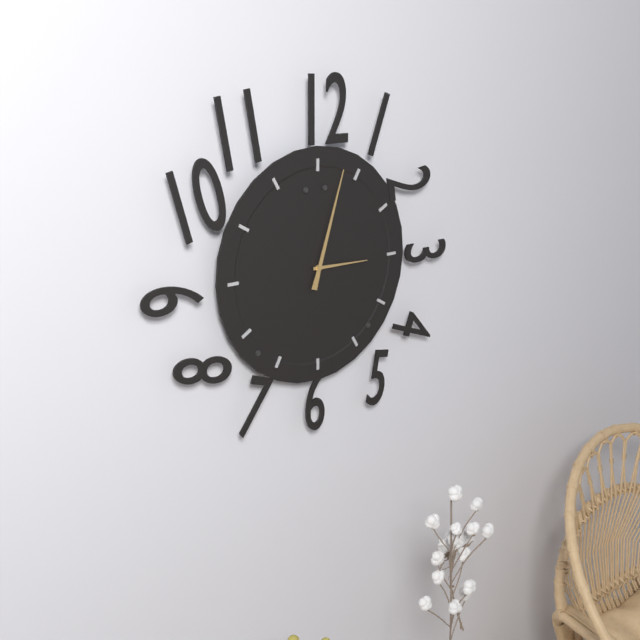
{"hour": 3, "minute": 3}
